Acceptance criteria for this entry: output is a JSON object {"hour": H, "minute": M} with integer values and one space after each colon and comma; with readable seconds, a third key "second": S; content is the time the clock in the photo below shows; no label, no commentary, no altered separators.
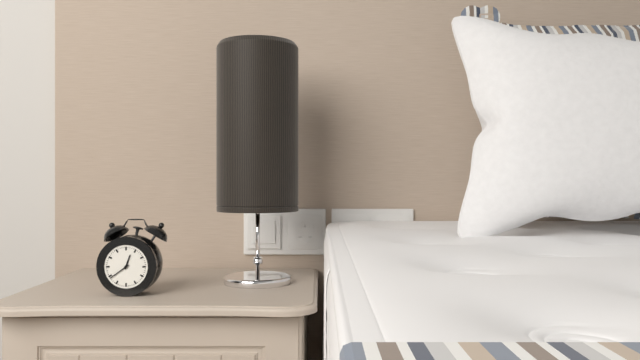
{"hour": 12, "minute": 39}
